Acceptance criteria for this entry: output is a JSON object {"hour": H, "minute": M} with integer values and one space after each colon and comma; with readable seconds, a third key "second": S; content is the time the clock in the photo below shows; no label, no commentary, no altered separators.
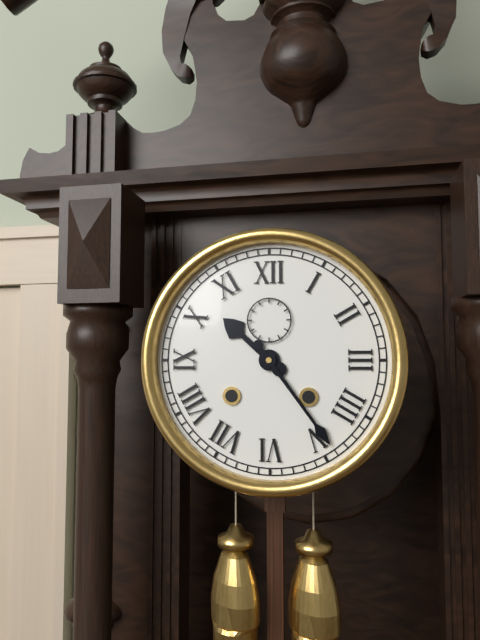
{"hour": 10, "minute": 24}
